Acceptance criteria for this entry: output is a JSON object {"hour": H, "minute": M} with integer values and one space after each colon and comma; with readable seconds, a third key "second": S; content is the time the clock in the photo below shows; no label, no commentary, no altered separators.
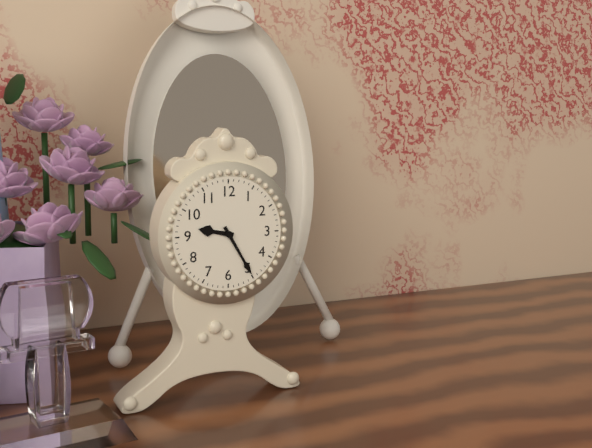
{"hour": 9, "minute": 25}
